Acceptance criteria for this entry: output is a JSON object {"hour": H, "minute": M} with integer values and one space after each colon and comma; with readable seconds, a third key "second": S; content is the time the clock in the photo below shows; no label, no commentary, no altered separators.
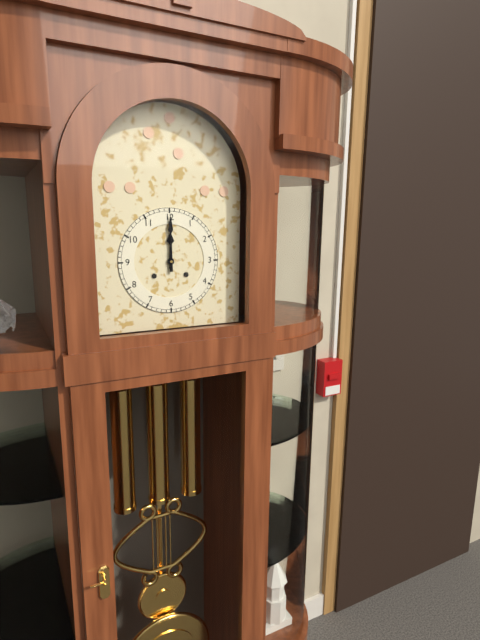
{"hour": 12, "minute": 0}
